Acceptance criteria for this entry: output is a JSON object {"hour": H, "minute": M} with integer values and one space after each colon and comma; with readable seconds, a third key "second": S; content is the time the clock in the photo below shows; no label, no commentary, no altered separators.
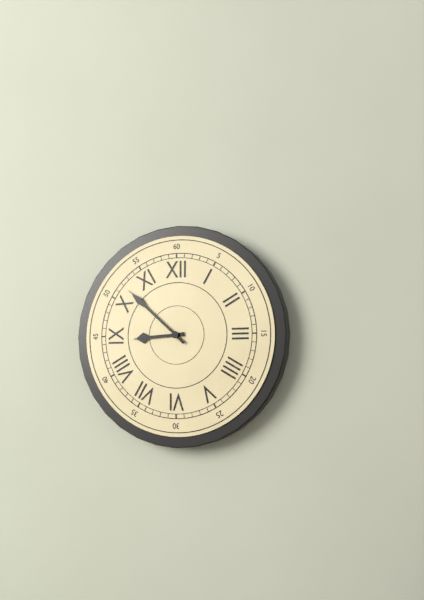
{"hour": 8, "minute": 52}
